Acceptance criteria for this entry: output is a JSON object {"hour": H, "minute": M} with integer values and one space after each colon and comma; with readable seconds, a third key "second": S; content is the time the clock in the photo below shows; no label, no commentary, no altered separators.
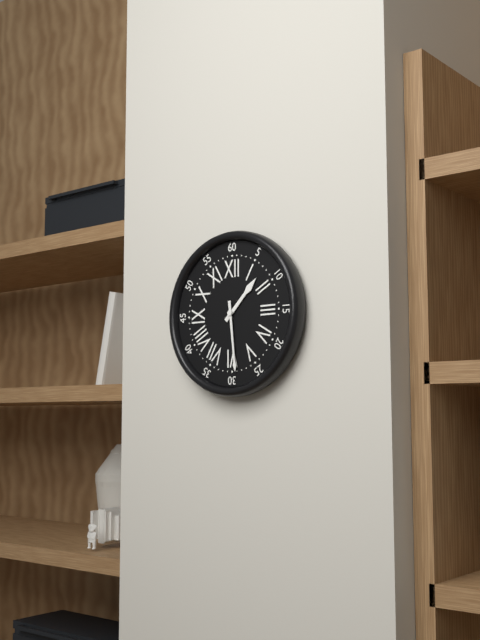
{"hour": 1, "minute": 29}
